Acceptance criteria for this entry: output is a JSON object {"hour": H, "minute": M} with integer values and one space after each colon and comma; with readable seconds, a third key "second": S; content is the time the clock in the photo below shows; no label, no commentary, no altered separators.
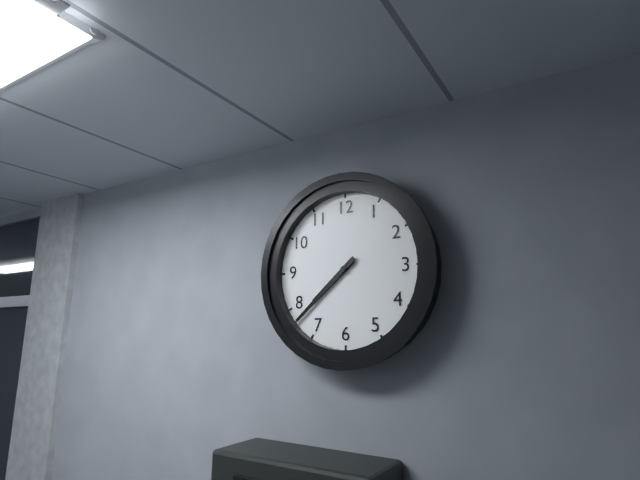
{"hour": 7, "minute": 38}
